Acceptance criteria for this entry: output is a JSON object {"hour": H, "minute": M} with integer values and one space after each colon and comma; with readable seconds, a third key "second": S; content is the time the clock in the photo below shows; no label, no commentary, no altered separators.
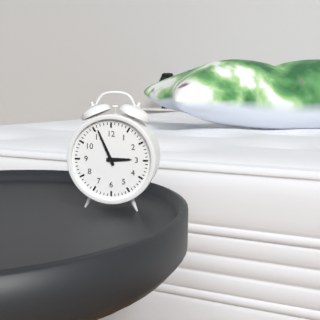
{"hour": 2, "minute": 56}
